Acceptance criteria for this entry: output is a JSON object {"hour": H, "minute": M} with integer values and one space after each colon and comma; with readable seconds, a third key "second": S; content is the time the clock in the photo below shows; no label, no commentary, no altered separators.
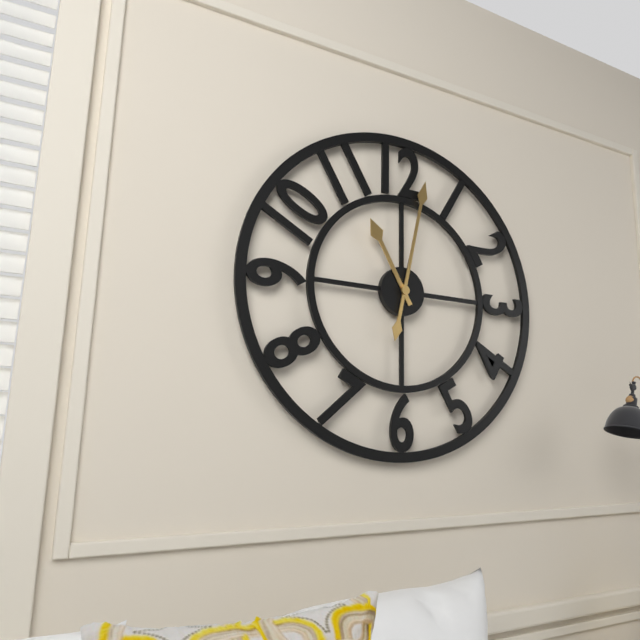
{"hour": 11, "minute": 2}
